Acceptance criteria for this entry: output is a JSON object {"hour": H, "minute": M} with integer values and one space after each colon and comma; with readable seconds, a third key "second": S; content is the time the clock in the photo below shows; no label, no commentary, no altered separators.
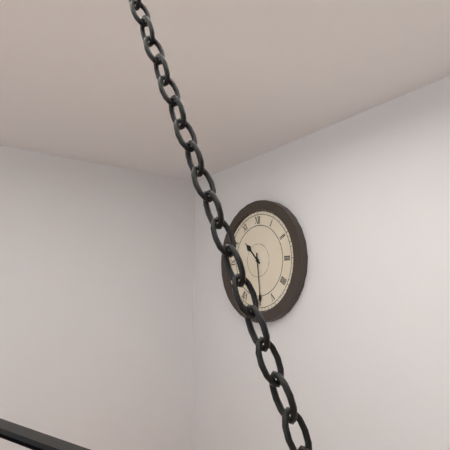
{"hour": 10, "minute": 29}
